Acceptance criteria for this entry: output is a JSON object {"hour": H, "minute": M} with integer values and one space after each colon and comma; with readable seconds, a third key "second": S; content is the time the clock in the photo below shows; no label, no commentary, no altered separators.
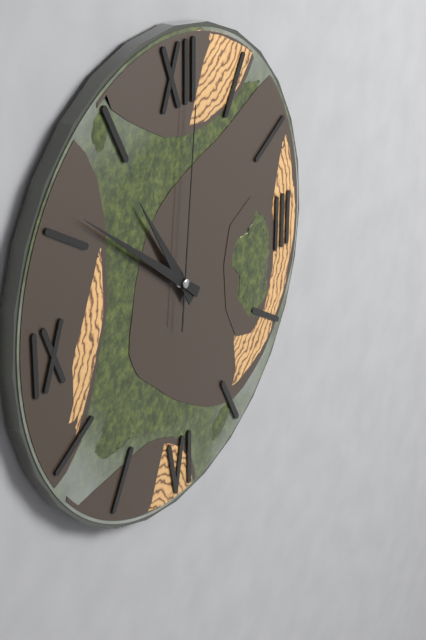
{"hour": 10, "minute": 51, "second": 1}
